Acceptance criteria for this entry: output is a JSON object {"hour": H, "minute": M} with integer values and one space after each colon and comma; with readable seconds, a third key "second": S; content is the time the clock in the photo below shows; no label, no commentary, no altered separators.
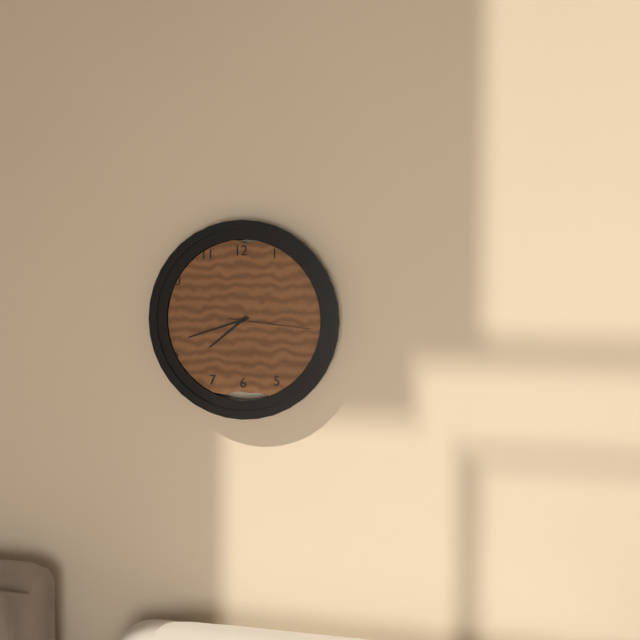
{"hour": 7, "minute": 42, "second": 16}
